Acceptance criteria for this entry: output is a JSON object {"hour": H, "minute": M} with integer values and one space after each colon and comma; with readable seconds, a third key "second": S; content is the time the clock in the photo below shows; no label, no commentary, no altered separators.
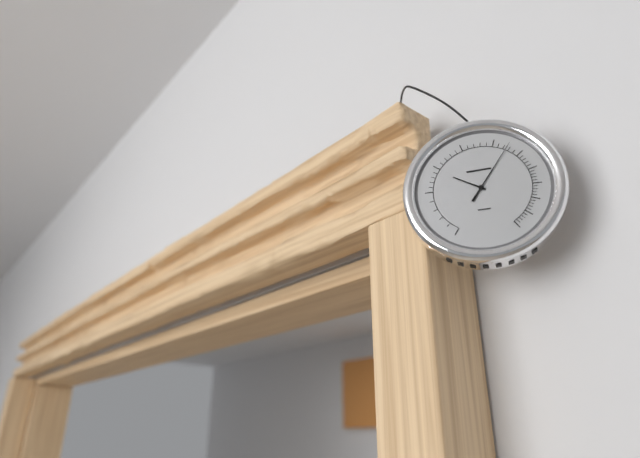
{"hour": 10, "minute": 6}
